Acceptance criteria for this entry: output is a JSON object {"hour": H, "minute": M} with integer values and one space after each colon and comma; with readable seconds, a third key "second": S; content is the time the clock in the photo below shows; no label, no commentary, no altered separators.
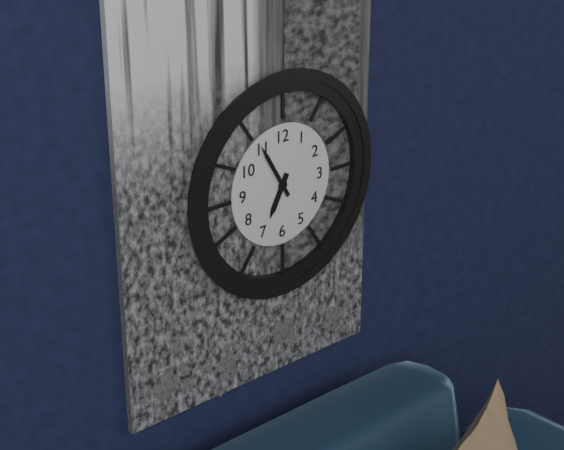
{"hour": 6, "minute": 55}
